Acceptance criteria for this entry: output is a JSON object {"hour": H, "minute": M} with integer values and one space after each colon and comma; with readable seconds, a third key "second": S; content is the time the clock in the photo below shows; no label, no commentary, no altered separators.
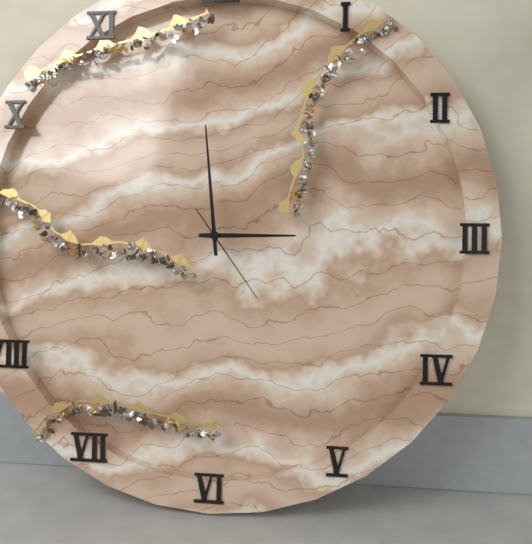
{"hour": 2, "minute": 59, "second": 24}
